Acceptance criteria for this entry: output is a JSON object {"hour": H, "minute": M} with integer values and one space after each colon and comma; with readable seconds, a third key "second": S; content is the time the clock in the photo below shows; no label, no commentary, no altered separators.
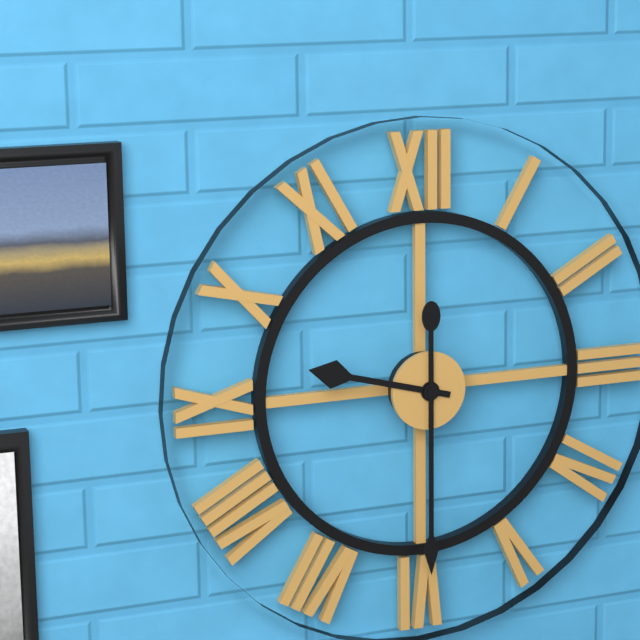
{"hour": 9, "minute": 30}
